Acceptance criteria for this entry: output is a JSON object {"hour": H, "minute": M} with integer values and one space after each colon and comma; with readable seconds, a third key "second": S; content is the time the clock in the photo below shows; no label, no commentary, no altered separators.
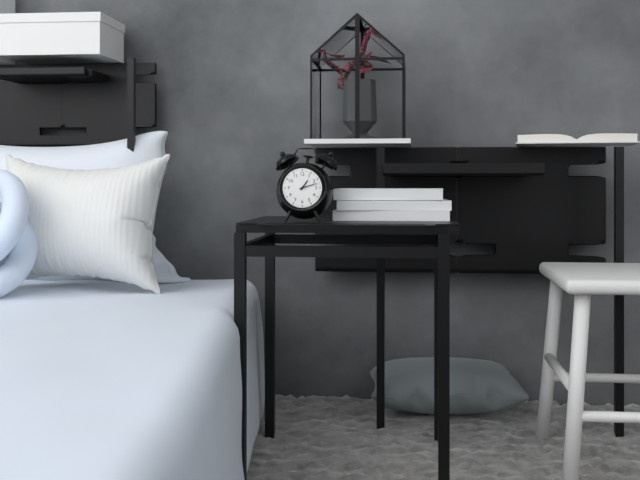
{"hour": 1, "minute": 12}
